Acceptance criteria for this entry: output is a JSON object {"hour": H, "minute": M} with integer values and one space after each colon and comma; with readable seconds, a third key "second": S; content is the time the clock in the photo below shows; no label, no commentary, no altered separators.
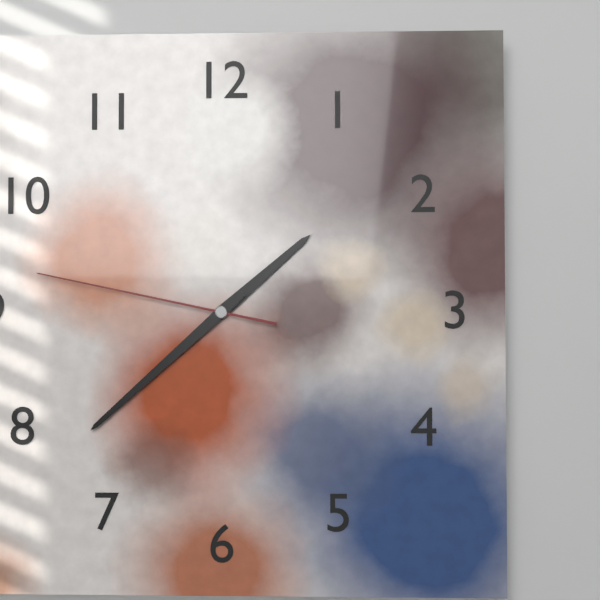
{"hour": 1, "minute": 38, "second": 47}
